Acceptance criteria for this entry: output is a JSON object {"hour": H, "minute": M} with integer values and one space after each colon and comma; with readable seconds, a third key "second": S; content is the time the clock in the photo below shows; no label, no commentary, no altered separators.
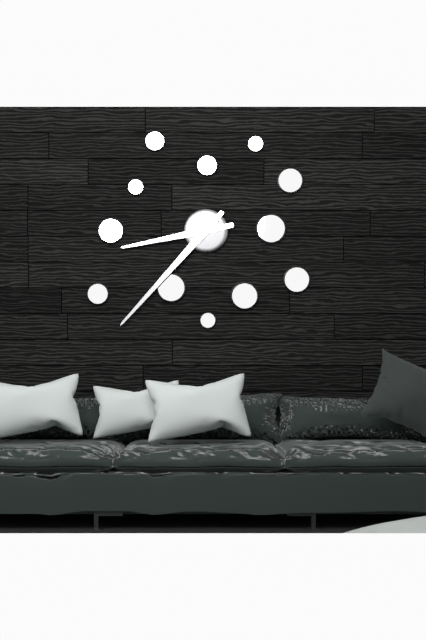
{"hour": 8, "minute": 37}
